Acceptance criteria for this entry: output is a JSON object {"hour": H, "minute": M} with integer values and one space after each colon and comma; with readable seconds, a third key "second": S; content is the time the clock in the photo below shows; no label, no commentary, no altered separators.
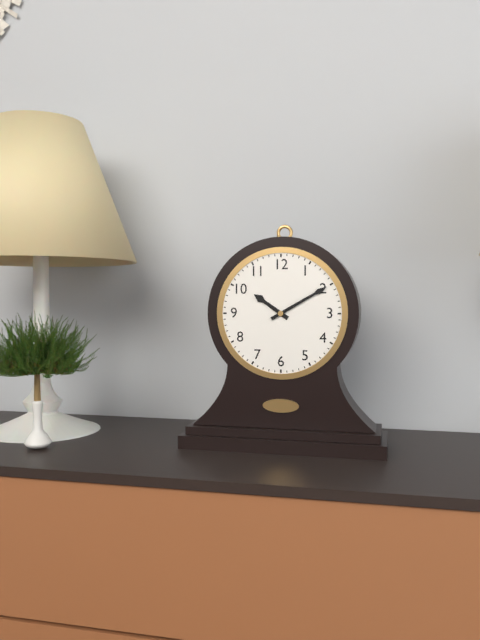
{"hour": 10, "minute": 10}
